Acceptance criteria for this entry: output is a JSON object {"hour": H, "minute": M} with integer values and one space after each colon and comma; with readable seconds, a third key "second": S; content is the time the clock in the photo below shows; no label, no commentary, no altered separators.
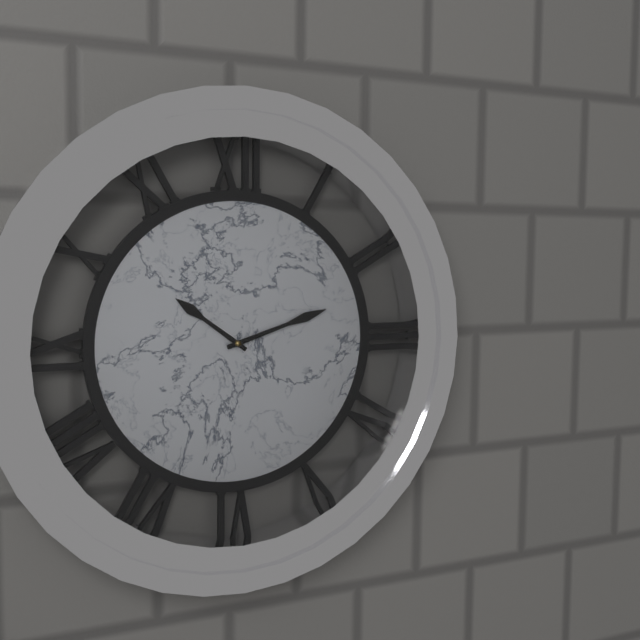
{"hour": 10, "minute": 12}
